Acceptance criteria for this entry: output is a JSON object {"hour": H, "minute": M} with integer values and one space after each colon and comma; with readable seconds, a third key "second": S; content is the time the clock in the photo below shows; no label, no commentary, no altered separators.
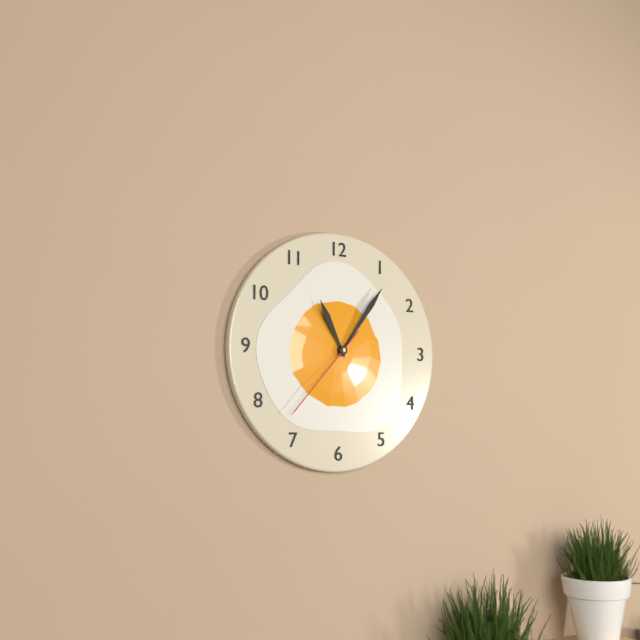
{"hour": 11, "minute": 6, "second": 37}
